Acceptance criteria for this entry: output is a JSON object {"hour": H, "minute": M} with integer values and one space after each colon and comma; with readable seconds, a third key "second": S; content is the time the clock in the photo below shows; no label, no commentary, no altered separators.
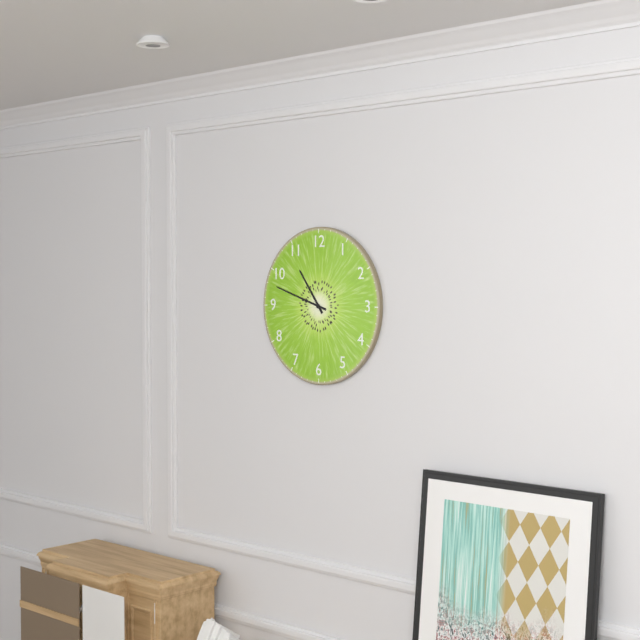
{"hour": 10, "minute": 48}
